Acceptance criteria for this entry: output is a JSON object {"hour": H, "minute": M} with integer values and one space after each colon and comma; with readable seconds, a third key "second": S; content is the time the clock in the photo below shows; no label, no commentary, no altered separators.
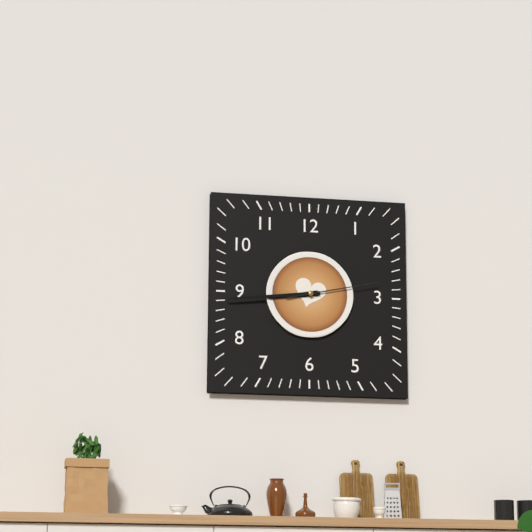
{"hour": 8, "minute": 44, "second": 13}
